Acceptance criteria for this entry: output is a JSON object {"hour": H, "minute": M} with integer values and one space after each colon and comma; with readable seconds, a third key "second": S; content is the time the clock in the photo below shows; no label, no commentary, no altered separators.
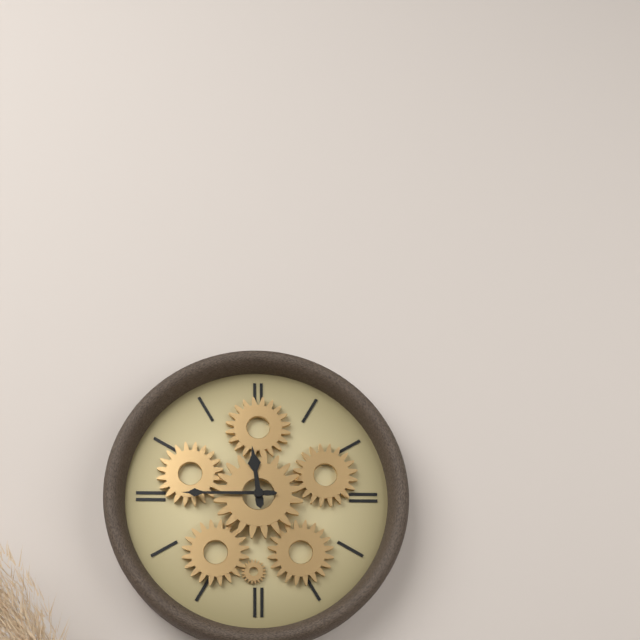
{"hour": 11, "minute": 45}
